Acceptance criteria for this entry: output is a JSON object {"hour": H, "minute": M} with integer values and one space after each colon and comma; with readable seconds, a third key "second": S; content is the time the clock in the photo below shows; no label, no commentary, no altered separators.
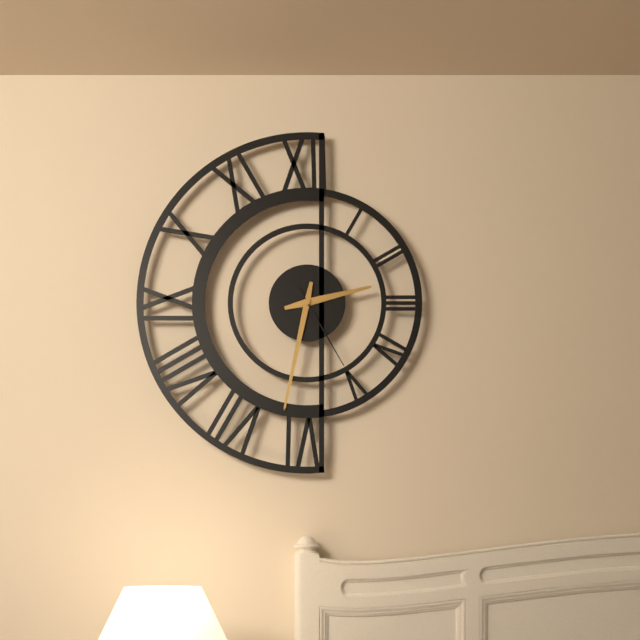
{"hour": 2, "minute": 32, "second": 25}
